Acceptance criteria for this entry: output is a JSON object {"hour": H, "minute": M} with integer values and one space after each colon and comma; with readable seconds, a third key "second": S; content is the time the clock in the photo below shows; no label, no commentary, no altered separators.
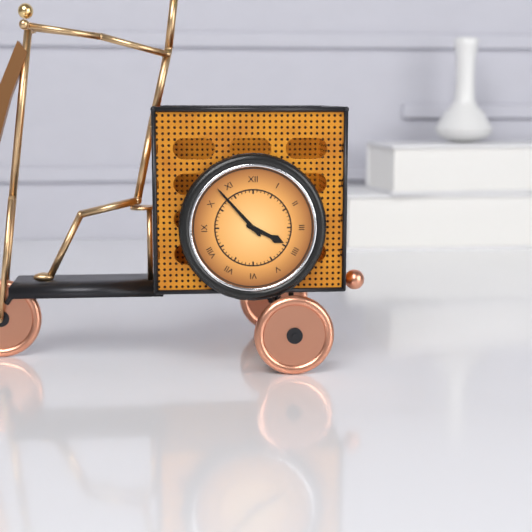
{"hour": 3, "minute": 53}
